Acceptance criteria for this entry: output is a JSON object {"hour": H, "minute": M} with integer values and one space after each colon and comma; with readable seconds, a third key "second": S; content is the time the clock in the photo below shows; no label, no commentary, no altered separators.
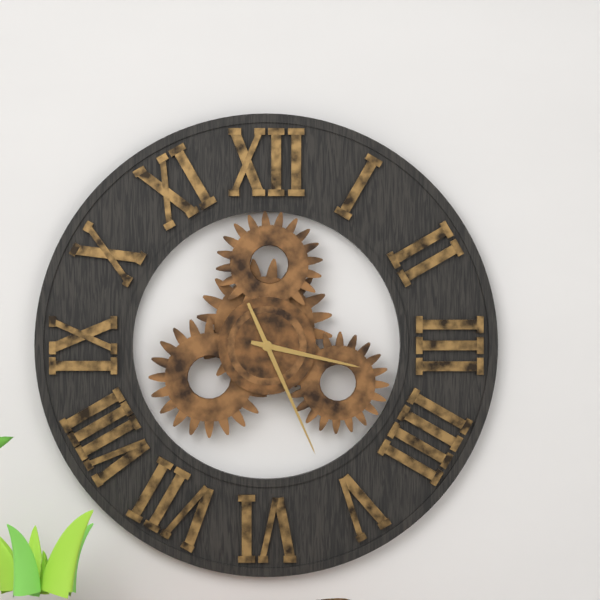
{"hour": 3, "minute": 26}
